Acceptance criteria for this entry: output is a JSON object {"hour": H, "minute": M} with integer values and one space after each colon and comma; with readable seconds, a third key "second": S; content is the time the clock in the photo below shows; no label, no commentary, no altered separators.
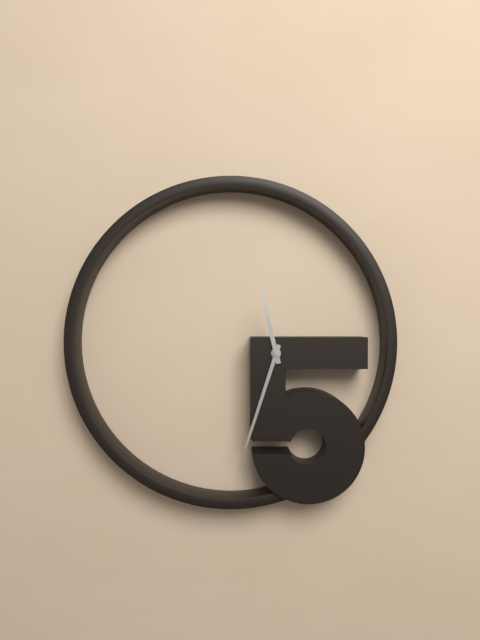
{"hour": 11, "minute": 33}
